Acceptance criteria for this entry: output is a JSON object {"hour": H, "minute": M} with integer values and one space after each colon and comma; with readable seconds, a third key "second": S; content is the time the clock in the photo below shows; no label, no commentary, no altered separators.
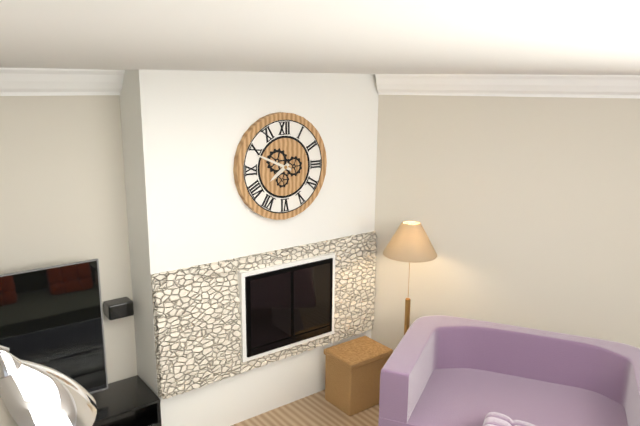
{"hour": 7, "minute": 49}
